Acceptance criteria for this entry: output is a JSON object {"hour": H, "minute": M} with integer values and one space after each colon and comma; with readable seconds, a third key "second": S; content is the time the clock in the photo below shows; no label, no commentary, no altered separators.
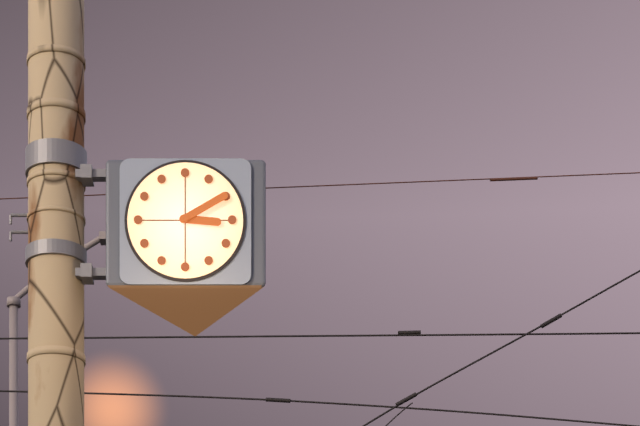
{"hour": 3, "minute": 10}
